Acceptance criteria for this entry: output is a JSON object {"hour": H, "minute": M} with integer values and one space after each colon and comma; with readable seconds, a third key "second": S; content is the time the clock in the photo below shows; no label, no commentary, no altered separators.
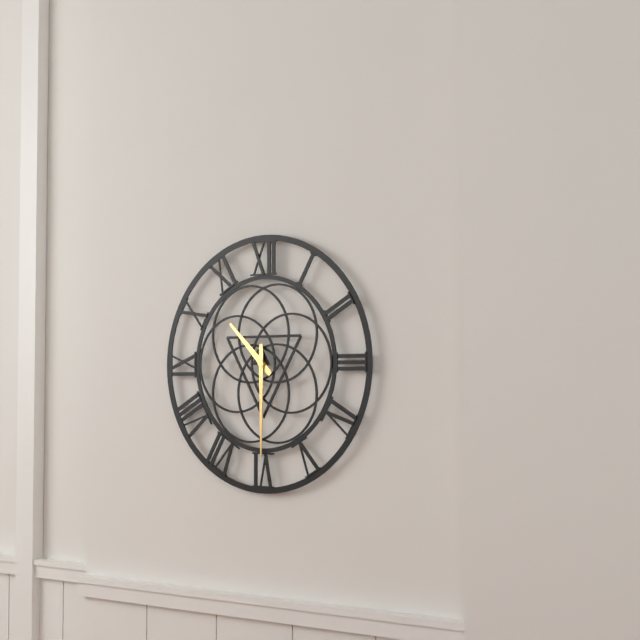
{"hour": 10, "minute": 30}
